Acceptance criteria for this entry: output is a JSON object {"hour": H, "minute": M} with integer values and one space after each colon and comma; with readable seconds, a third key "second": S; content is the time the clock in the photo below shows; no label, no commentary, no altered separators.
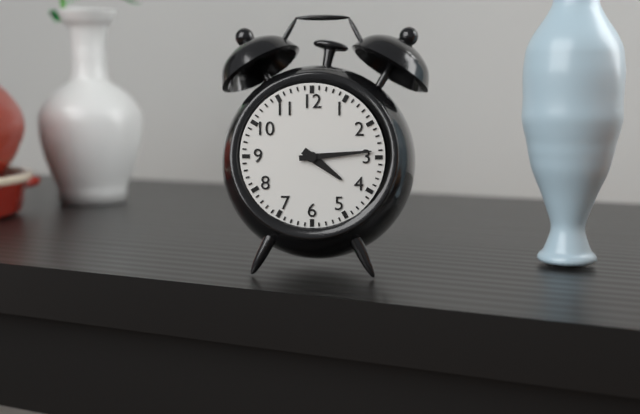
{"hour": 4, "minute": 14}
